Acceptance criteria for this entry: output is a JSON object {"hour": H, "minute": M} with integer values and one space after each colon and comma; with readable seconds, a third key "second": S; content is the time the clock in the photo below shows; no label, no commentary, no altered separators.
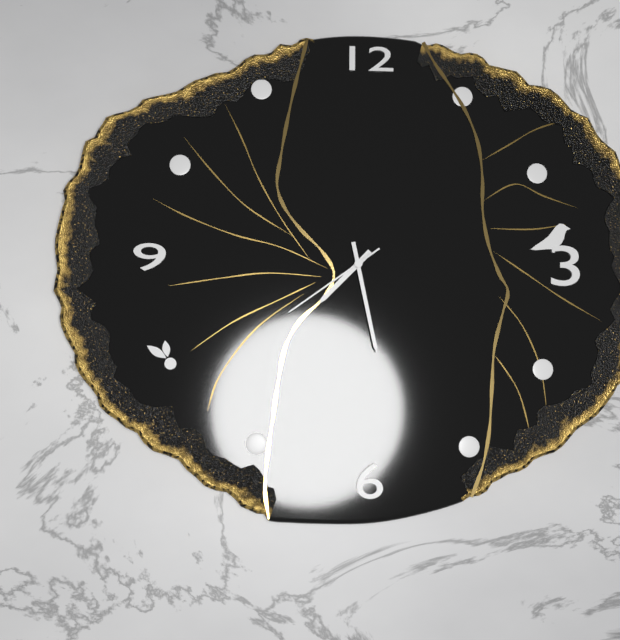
{"hour": 7, "minute": 28, "second": 39}
